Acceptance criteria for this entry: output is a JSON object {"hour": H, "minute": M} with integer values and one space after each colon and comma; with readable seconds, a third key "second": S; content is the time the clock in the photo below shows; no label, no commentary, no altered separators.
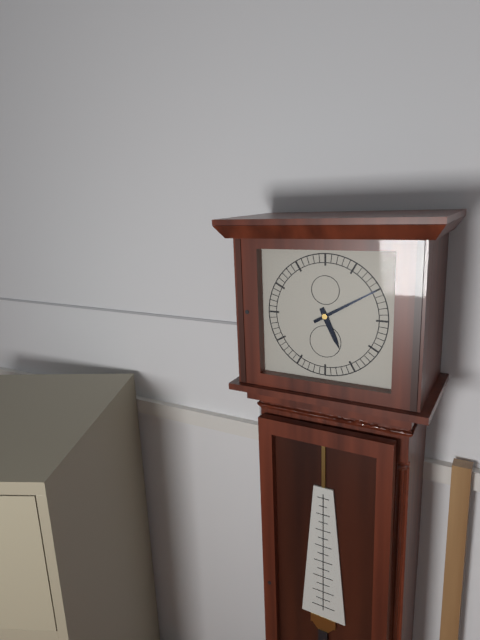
{"hour": 5, "minute": 10}
